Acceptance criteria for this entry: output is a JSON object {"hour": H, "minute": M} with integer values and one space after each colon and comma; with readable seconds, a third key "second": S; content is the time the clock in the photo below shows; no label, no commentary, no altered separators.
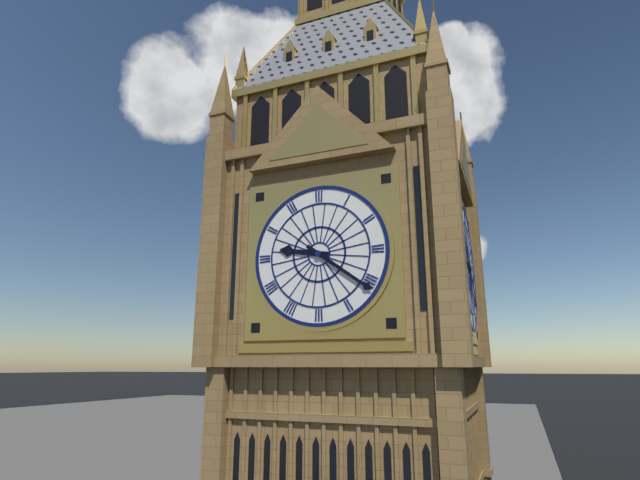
{"hour": 9, "minute": 21}
